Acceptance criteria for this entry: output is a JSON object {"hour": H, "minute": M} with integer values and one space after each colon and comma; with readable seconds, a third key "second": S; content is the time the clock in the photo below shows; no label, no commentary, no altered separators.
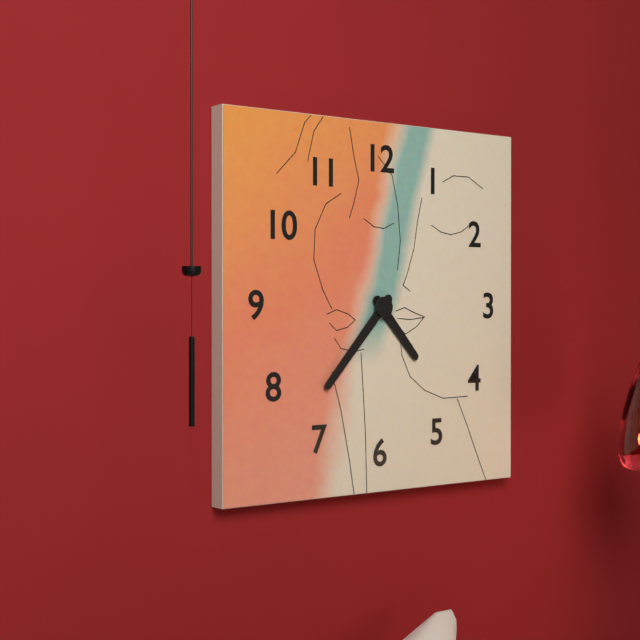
{"hour": 4, "minute": 37}
